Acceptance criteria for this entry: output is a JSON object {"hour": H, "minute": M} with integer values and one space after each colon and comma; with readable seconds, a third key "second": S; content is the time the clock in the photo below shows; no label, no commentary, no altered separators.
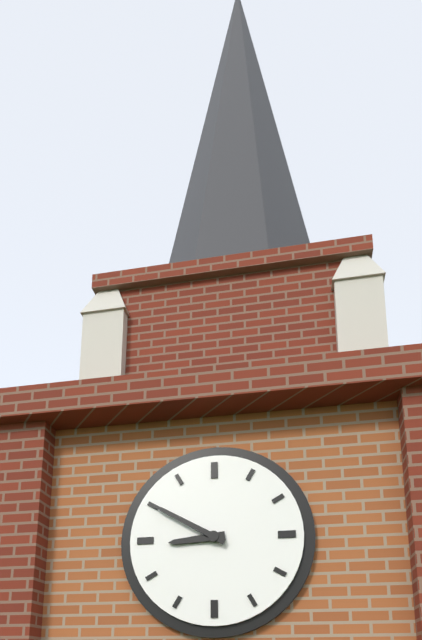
{"hour": 8, "minute": 50}
